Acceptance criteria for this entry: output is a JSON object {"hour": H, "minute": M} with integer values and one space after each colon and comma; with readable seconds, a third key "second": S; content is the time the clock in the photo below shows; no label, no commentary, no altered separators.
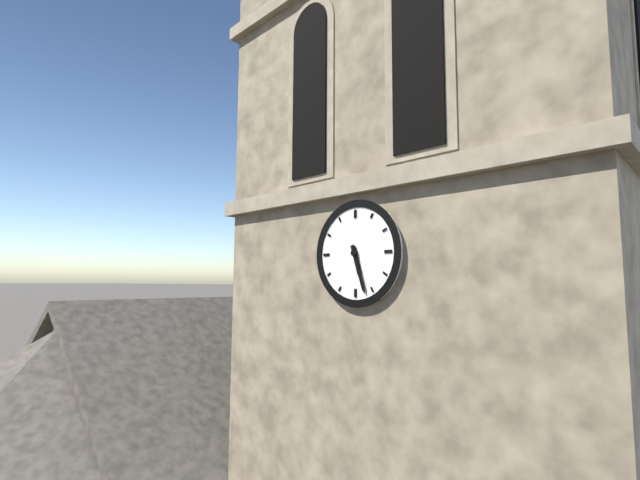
{"hour": 5, "minute": 27}
